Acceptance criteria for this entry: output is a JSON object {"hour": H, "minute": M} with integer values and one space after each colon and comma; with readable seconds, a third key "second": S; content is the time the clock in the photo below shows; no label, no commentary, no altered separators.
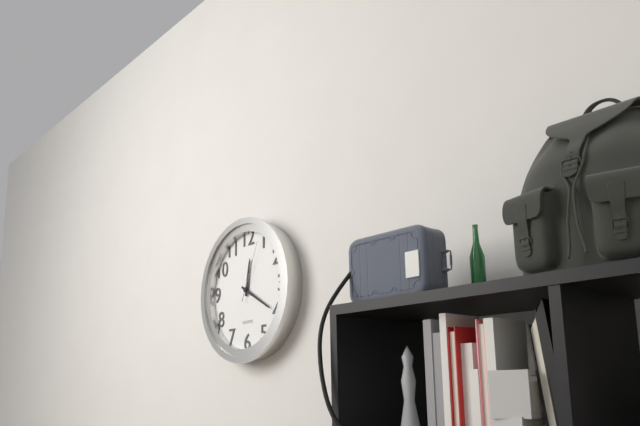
{"hour": 12, "minute": 20, "second": 4}
